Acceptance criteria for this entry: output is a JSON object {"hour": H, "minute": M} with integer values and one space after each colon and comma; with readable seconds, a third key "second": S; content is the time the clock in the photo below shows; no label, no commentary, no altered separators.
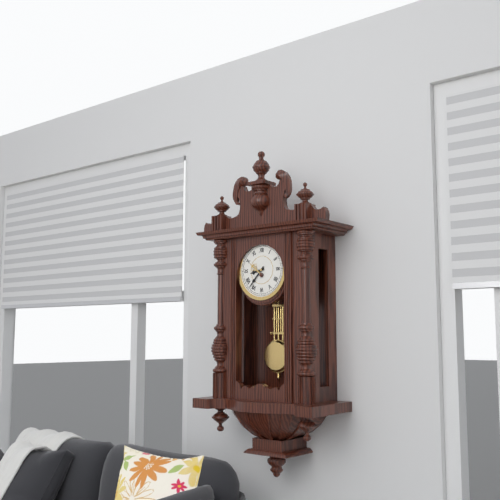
{"hour": 8, "minute": 37}
